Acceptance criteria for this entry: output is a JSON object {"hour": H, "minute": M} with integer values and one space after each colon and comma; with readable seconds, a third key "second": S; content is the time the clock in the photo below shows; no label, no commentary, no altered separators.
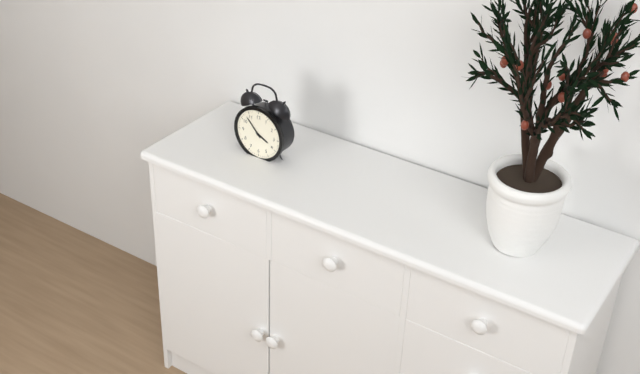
{"hour": 3, "minute": 53}
